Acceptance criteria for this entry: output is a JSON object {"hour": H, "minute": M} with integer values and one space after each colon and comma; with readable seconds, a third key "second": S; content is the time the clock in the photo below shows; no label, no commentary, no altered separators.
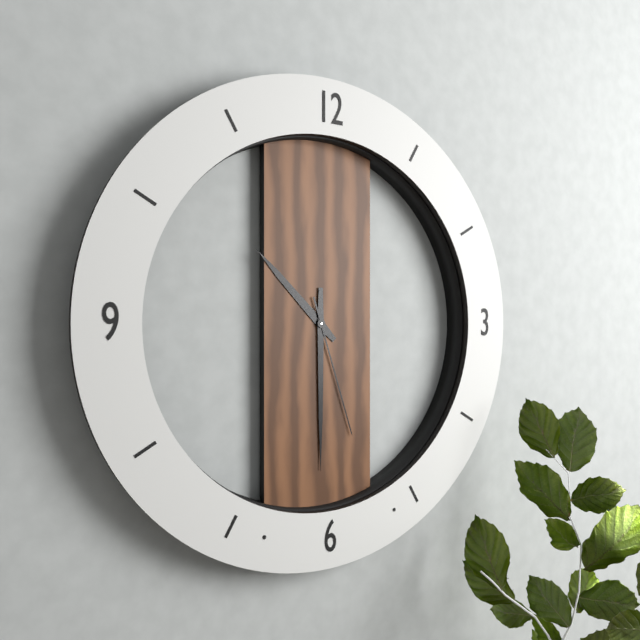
{"hour": 10, "minute": 30, "second": 27}
